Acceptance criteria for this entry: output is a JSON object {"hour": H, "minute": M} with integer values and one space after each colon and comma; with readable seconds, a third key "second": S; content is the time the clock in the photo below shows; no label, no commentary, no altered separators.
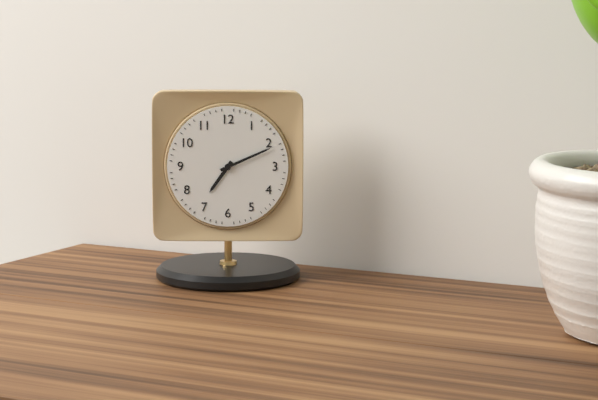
{"hour": 7, "minute": 11}
